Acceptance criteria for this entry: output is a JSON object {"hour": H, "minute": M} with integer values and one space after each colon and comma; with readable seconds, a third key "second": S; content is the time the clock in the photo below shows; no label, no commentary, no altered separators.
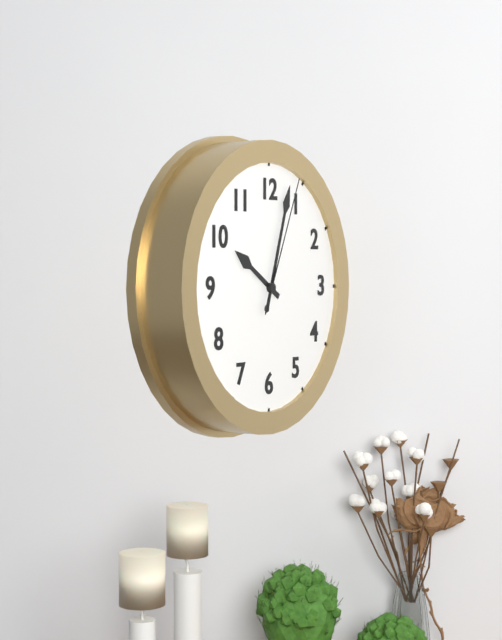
{"hour": 10, "minute": 3, "second": 4}
